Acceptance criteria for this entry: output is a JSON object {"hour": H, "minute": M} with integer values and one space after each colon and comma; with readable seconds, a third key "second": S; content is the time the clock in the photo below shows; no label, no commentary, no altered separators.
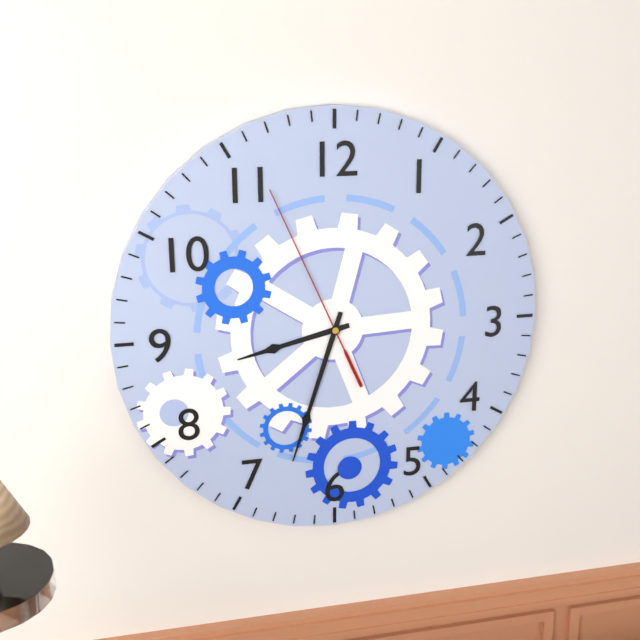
{"hour": 8, "minute": 33, "second": 56}
